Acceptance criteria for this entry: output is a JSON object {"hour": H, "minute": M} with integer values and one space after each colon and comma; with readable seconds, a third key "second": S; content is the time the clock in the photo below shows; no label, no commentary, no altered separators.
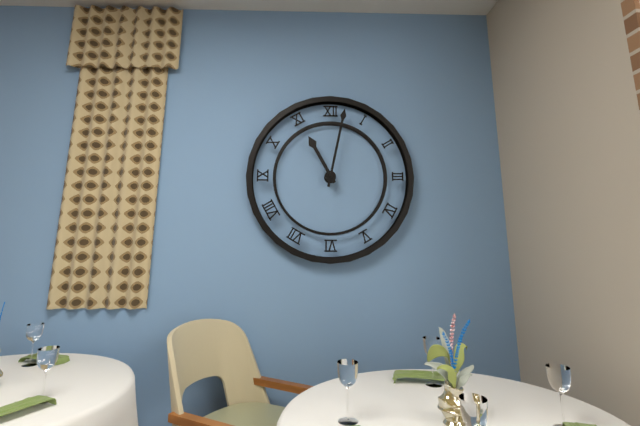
{"hour": 11, "minute": 2}
